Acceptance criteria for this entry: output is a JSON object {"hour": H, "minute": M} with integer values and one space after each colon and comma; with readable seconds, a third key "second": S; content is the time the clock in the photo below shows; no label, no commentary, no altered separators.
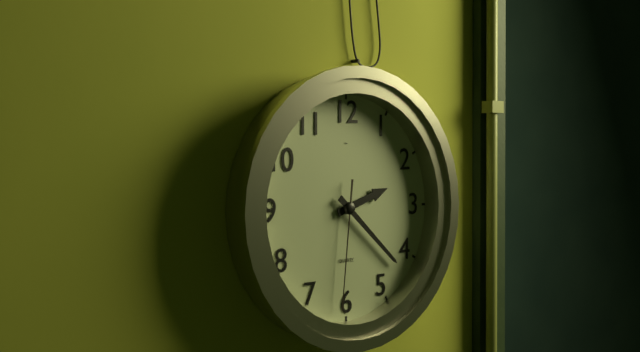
{"hour": 2, "minute": 22, "second": 31}
